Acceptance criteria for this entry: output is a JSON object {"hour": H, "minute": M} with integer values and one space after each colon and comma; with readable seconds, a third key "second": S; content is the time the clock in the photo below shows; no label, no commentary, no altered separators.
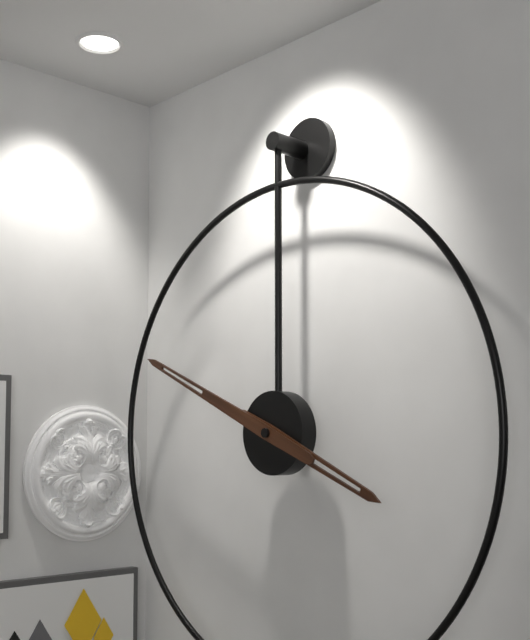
{"hour": 3, "minute": 49}
